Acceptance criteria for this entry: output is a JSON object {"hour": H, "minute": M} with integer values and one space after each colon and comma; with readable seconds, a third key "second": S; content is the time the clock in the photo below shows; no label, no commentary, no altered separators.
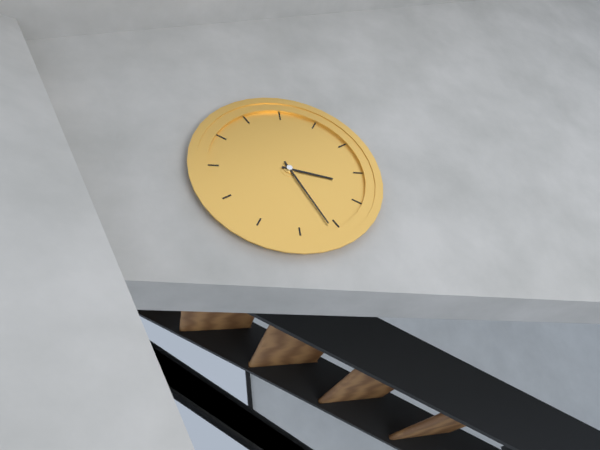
{"hour": 3, "minute": 26}
